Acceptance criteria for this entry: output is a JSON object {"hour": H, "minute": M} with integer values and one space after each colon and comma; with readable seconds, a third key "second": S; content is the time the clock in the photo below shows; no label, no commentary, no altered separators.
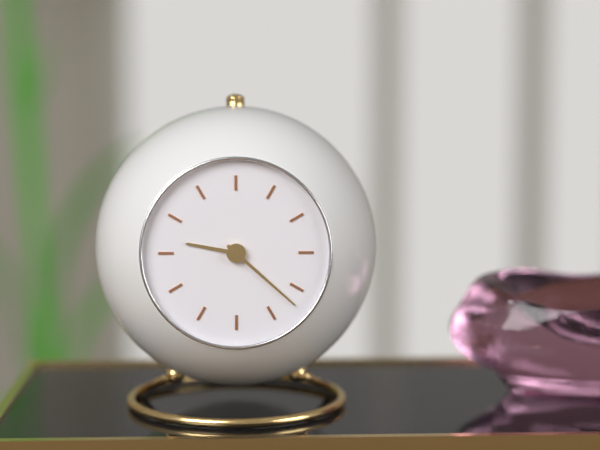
{"hour": 9, "minute": 22}
